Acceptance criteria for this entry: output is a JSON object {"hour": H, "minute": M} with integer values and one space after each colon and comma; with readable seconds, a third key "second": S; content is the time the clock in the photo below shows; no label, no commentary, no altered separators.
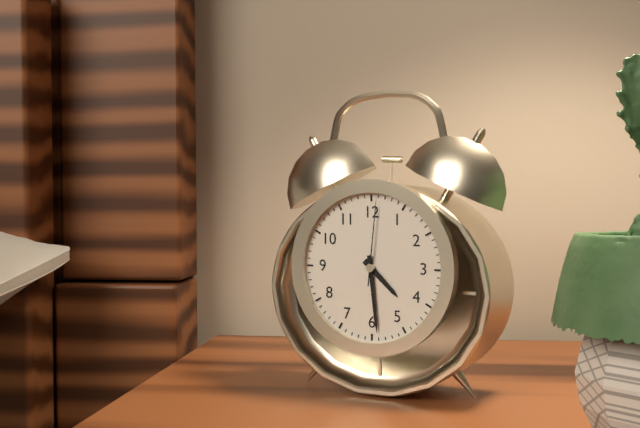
{"hour": 4, "minute": 29, "second": 1}
